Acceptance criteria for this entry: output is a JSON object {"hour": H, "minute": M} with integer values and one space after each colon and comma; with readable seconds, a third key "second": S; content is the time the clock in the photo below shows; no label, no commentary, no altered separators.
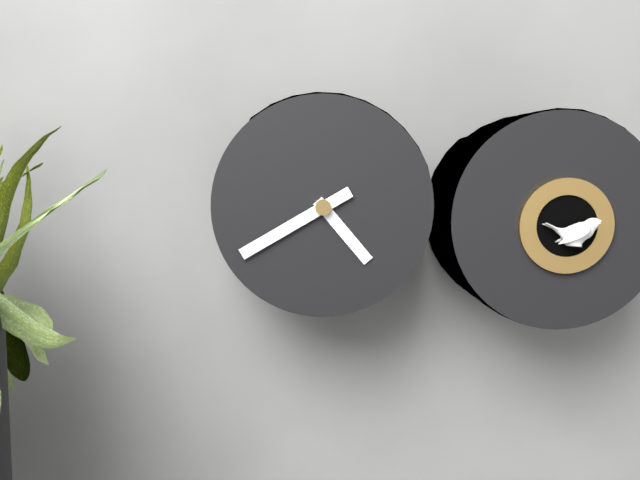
{"hour": 4, "minute": 40}
